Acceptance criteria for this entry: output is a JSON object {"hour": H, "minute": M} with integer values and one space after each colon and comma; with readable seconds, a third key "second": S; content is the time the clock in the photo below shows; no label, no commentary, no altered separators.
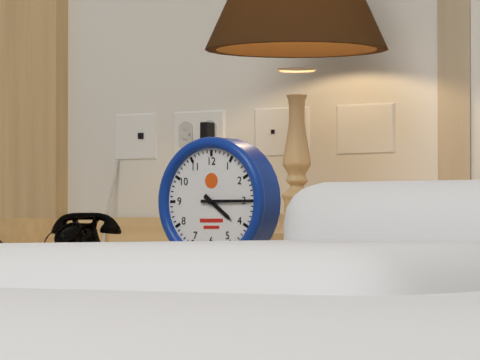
{"hour": 4, "minute": 15}
